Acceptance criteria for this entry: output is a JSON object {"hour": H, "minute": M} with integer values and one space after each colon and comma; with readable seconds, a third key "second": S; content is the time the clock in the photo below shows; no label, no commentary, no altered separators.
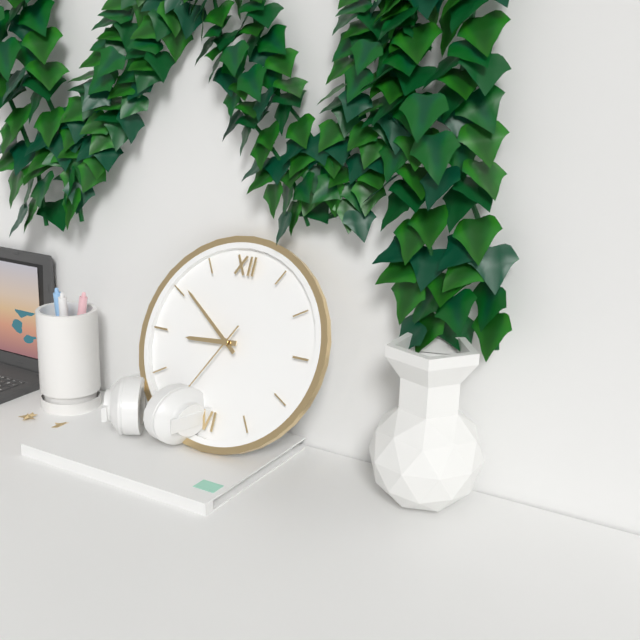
{"hour": 8, "minute": 51}
